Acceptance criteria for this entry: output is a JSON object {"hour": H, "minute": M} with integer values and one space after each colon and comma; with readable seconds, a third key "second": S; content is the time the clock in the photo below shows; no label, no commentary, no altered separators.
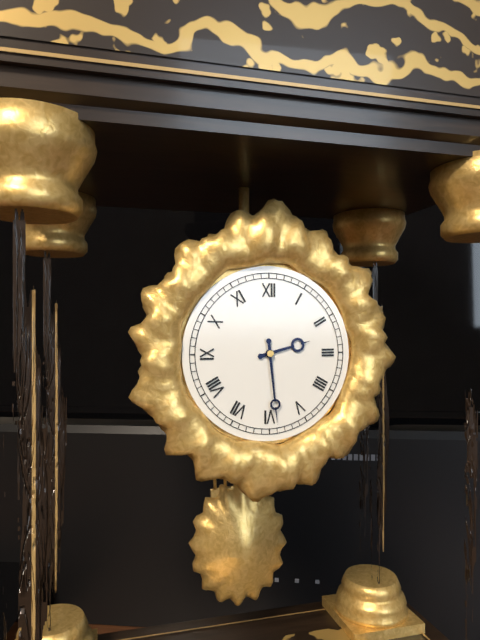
{"hour": 2, "minute": 29}
